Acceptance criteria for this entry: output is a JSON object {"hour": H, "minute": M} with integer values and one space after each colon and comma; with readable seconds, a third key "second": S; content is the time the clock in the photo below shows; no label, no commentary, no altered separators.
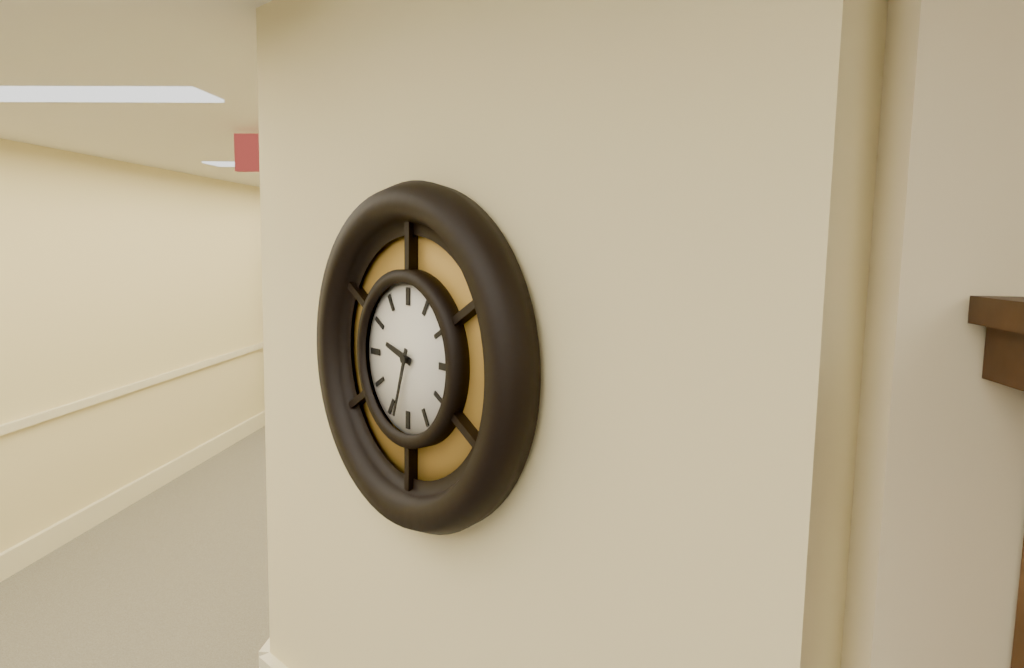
{"hour": 9, "minute": 33}
